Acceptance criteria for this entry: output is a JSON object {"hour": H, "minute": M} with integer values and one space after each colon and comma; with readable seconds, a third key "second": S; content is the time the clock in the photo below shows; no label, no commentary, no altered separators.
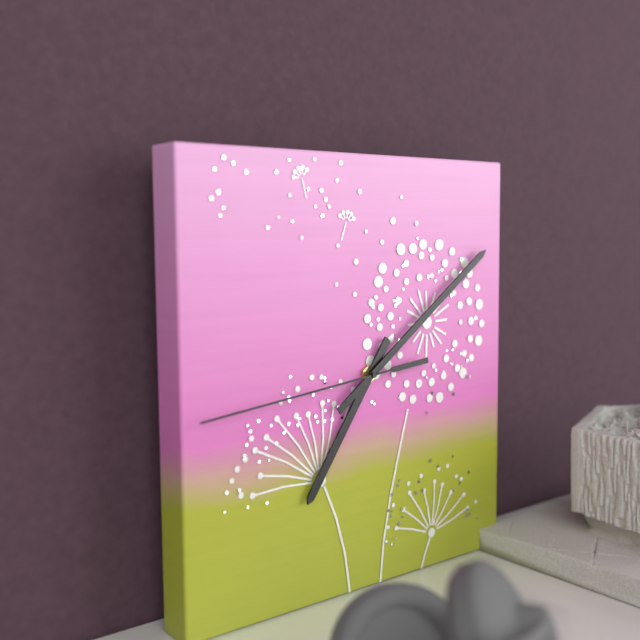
{"hour": 7, "minute": 9, "second": 44}
